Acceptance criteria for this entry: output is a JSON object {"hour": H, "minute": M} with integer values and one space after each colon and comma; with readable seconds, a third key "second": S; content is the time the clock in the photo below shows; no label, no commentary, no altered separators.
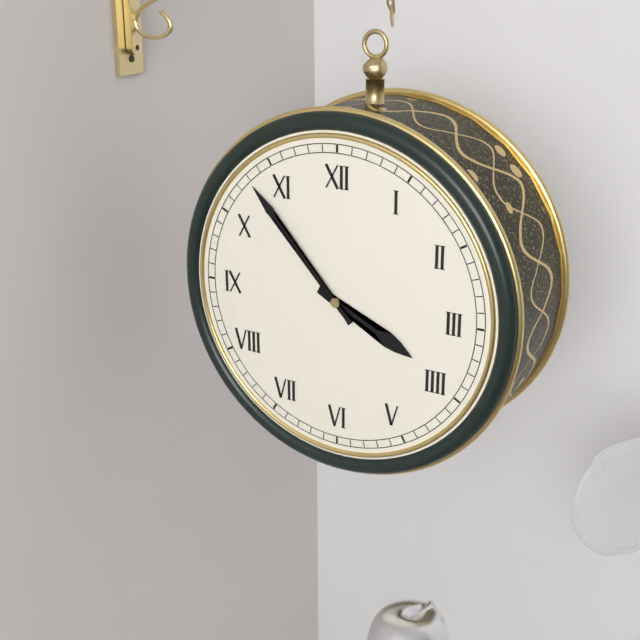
{"hour": 3, "minute": 53}
